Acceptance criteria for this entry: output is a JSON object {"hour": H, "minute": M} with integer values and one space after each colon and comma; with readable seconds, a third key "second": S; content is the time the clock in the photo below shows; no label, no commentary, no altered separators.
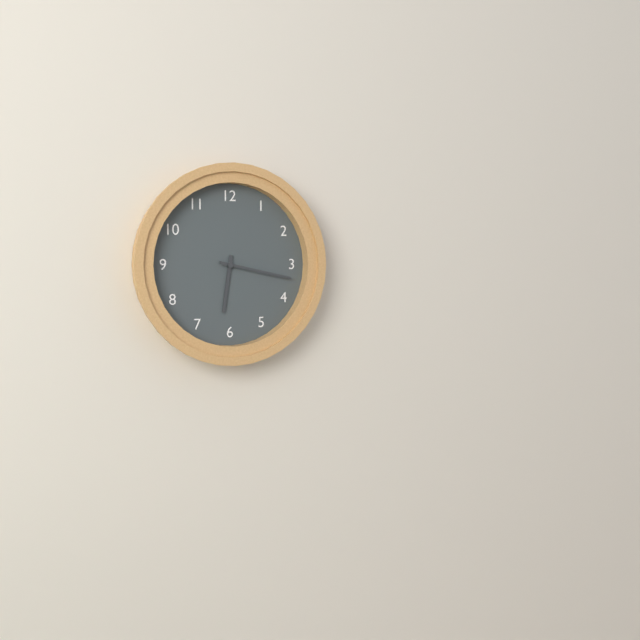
{"hour": 6, "minute": 17}
